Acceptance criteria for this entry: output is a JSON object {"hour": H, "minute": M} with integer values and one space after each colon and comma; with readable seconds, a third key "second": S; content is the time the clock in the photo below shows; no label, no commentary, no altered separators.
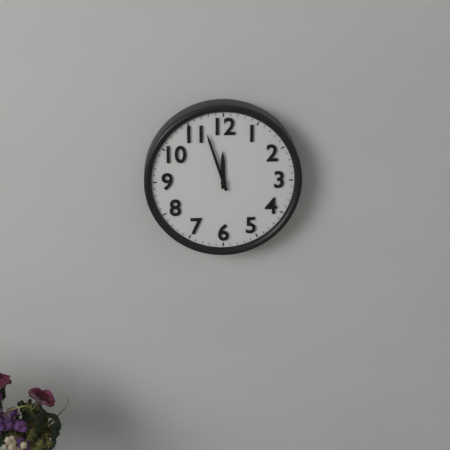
{"hour": 11, "minute": 57}
